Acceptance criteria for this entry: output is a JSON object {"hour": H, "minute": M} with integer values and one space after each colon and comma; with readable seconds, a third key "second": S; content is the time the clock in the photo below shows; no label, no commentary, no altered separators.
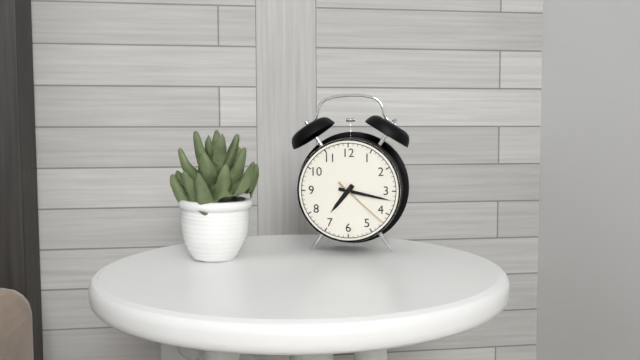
{"hour": 7, "minute": 17, "second": 22}
